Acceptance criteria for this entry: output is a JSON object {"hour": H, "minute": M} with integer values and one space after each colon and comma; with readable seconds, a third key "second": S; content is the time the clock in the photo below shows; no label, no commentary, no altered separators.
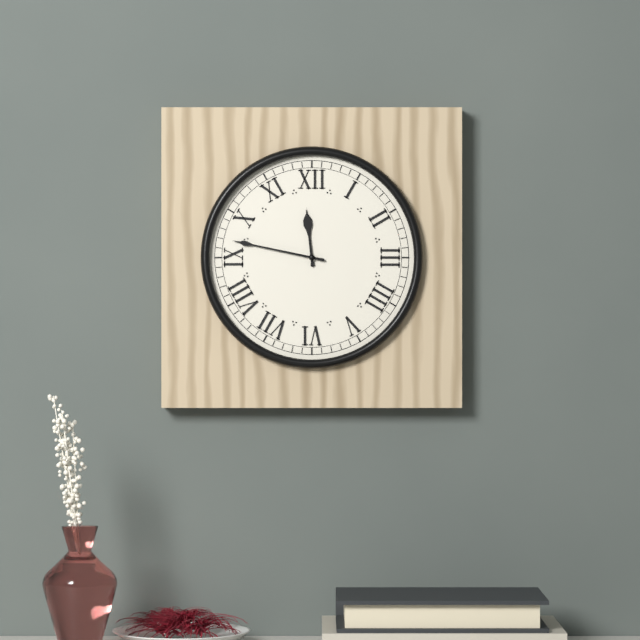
{"hour": 11, "minute": 47}
